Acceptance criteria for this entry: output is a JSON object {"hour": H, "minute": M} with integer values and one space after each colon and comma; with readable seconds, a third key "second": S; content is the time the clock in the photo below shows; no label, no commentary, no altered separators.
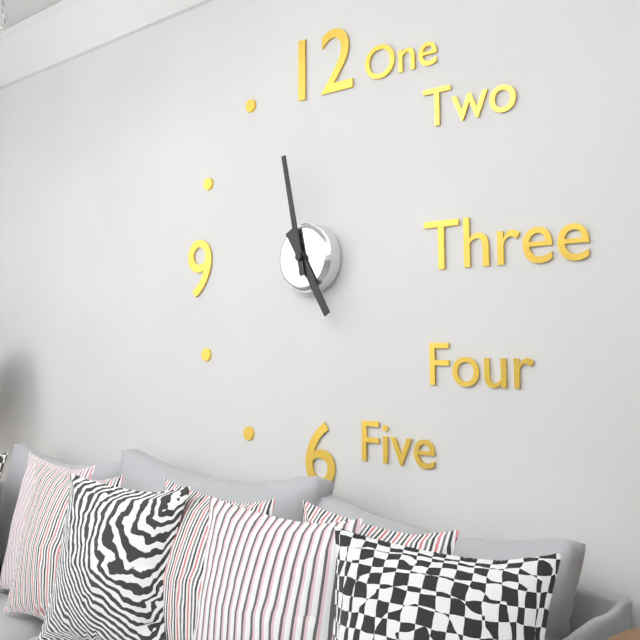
{"hour": 4, "minute": 58}
